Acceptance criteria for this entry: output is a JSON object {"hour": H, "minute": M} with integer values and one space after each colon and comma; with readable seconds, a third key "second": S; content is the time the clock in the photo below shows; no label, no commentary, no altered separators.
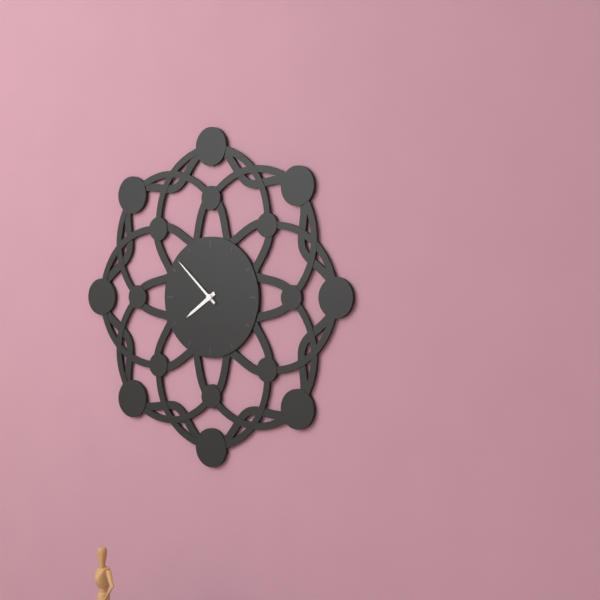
{"hour": 7, "minute": 52}
